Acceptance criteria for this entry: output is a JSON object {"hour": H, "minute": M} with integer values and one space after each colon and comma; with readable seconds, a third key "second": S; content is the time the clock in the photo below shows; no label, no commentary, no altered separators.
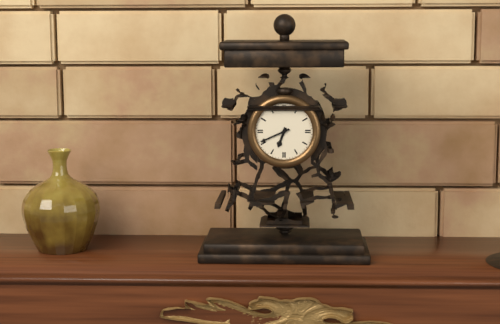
{"hour": 6, "minute": 41}
